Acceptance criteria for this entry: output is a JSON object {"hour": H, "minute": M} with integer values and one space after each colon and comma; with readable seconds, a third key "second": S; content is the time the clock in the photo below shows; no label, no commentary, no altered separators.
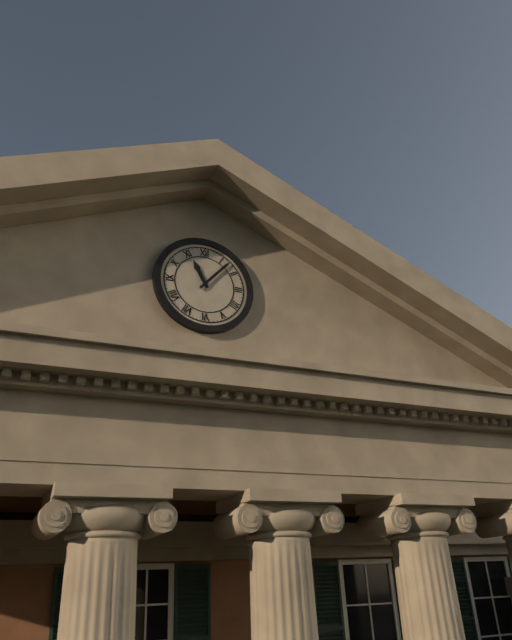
{"hour": 11, "minute": 7}
